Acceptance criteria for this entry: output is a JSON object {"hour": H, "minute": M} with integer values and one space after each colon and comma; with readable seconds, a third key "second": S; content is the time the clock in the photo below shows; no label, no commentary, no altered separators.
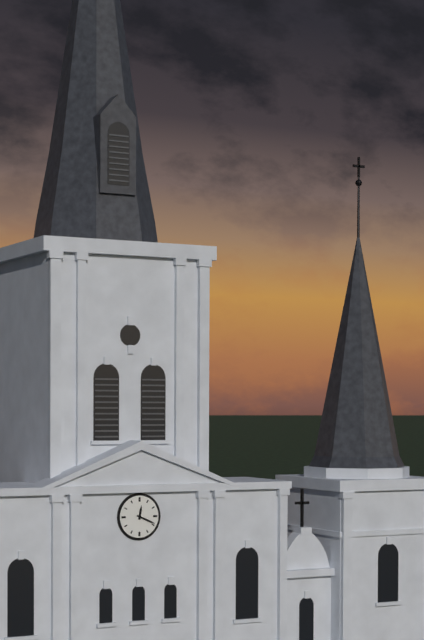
{"hour": 12, "minute": 19}
